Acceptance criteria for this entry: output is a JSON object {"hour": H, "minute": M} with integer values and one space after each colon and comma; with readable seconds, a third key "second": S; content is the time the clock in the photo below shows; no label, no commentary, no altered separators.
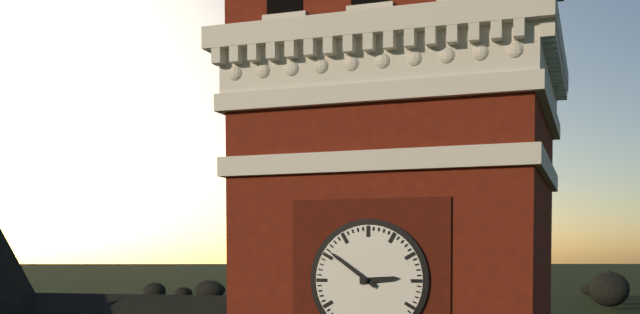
{"hour": 2, "minute": 51}
